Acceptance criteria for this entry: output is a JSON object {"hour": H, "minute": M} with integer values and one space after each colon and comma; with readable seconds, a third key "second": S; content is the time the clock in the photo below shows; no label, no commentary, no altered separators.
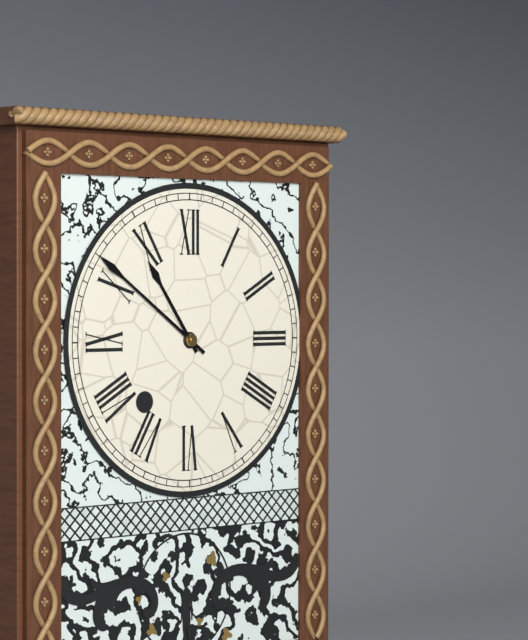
{"hour": 10, "minute": 51}
